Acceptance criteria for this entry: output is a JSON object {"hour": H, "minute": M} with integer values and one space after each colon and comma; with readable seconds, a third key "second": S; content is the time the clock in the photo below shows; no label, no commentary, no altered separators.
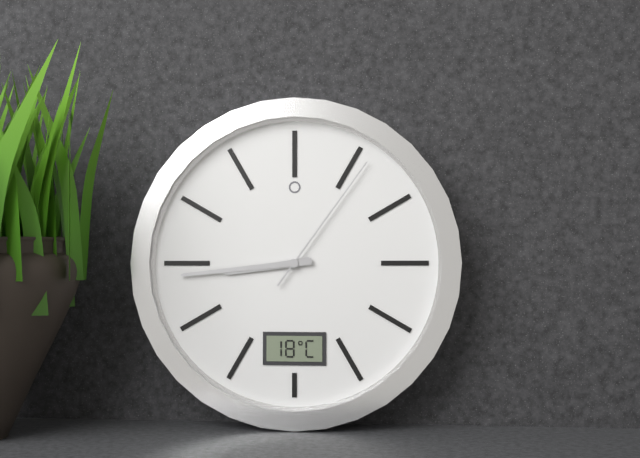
{"hour": 8, "minute": 44, "second": 6}
